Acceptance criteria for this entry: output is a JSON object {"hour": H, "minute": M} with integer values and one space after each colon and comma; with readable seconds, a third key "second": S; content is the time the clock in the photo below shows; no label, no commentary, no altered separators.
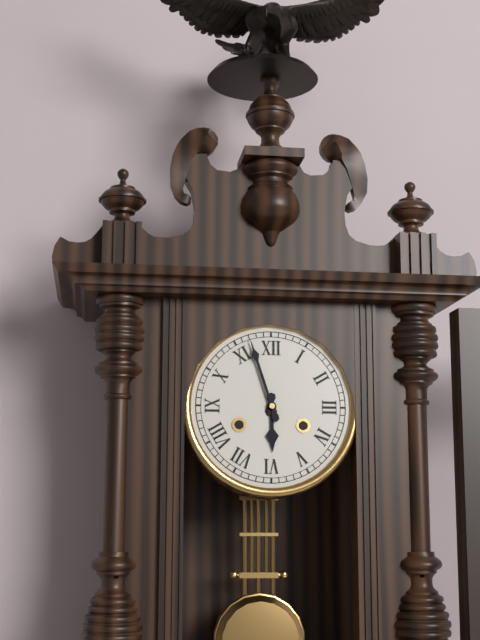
{"hour": 5, "minute": 57}
